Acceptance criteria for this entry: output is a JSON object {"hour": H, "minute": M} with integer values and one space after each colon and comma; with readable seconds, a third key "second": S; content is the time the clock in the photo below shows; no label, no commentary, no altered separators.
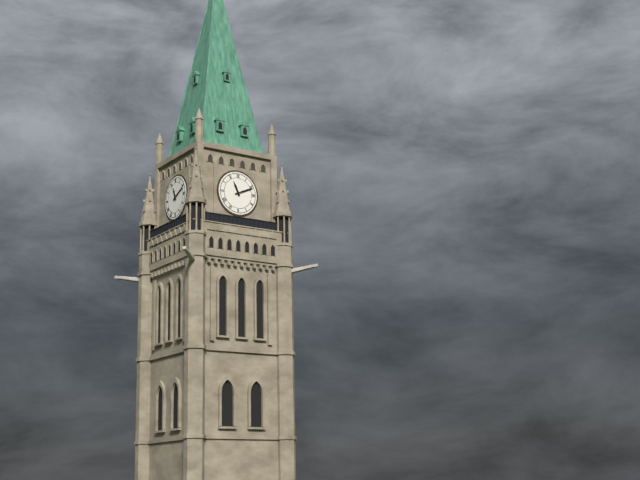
{"hour": 11, "minute": 11}
